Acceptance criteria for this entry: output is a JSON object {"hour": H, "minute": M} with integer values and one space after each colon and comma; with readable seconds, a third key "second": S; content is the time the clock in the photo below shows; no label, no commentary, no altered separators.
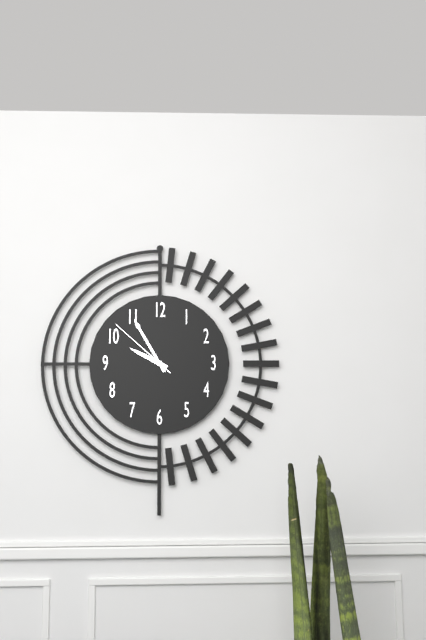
{"hour": 9, "minute": 55, "second": 52}
